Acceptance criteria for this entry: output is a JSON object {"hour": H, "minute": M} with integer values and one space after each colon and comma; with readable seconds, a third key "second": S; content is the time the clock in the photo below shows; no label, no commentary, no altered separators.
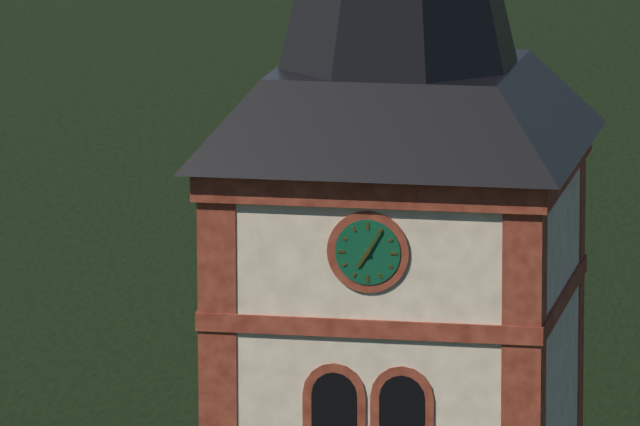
{"hour": 7, "minute": 5}
